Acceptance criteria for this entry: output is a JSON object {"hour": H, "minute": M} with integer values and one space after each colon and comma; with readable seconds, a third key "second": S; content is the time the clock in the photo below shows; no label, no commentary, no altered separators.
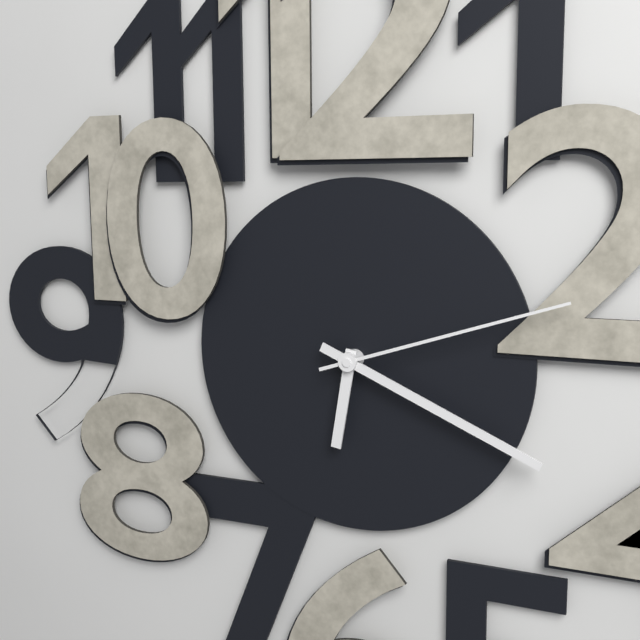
{"hour": 6, "minute": 19, "second": 12}
